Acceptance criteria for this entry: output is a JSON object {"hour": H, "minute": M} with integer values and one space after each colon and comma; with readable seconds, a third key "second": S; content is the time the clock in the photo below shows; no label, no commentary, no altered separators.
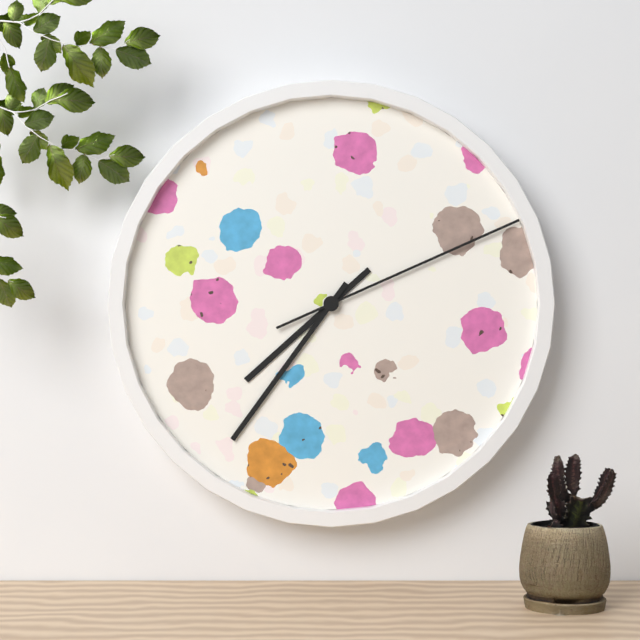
{"hour": 7, "minute": 36, "second": 11}
